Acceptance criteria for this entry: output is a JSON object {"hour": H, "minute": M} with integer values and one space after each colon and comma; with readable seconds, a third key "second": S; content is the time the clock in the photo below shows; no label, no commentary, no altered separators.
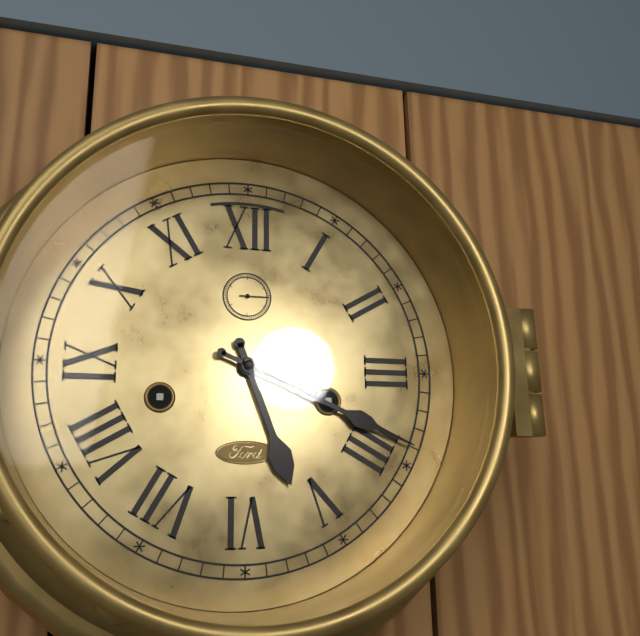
{"hour": 5, "minute": 19}
